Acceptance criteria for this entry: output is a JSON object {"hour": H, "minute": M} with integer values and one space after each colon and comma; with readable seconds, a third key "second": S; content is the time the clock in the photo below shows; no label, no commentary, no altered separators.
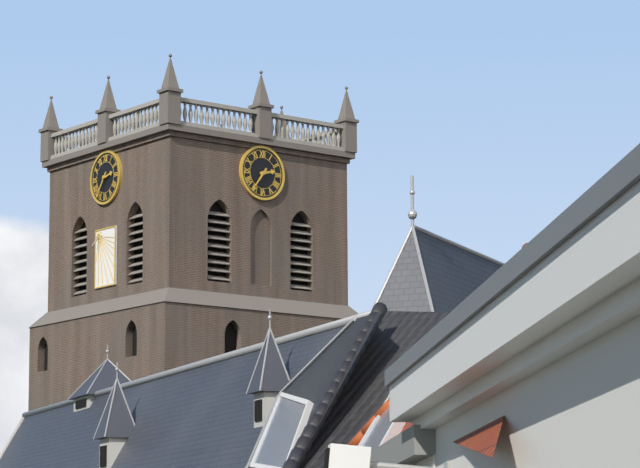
{"hour": 2, "minute": 36}
